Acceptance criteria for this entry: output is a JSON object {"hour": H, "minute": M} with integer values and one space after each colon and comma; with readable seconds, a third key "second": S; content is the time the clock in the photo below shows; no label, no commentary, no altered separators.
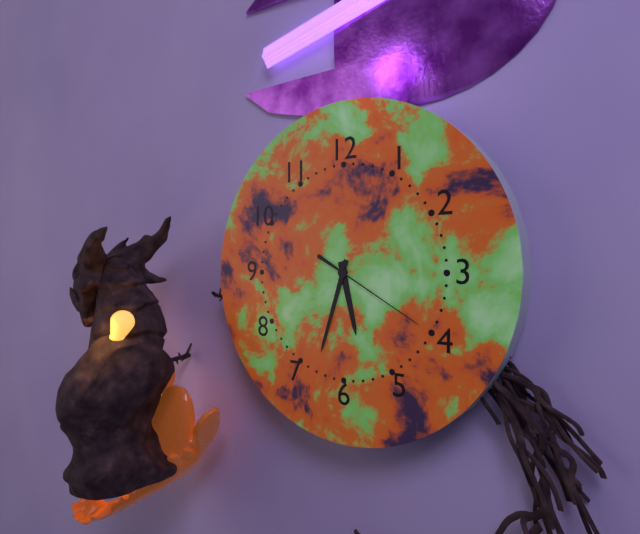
{"hour": 5, "minute": 33, "second": 20}
